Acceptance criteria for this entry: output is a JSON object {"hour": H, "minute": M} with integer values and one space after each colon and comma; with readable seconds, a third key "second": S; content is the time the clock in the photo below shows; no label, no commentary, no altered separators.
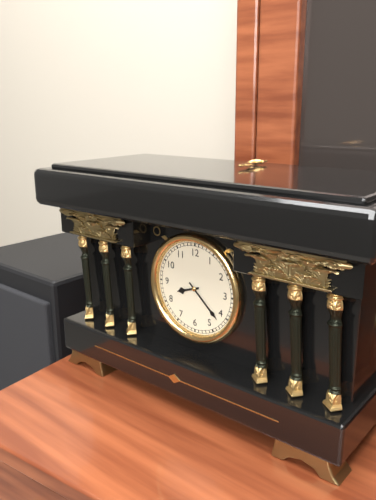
{"hour": 8, "minute": 22}
